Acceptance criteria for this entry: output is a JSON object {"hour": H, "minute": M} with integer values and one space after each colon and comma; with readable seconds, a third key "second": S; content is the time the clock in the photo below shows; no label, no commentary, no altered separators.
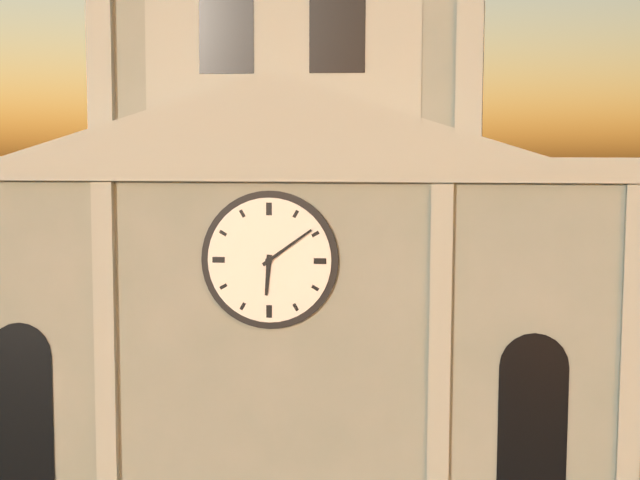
{"hour": 6, "minute": 9}
